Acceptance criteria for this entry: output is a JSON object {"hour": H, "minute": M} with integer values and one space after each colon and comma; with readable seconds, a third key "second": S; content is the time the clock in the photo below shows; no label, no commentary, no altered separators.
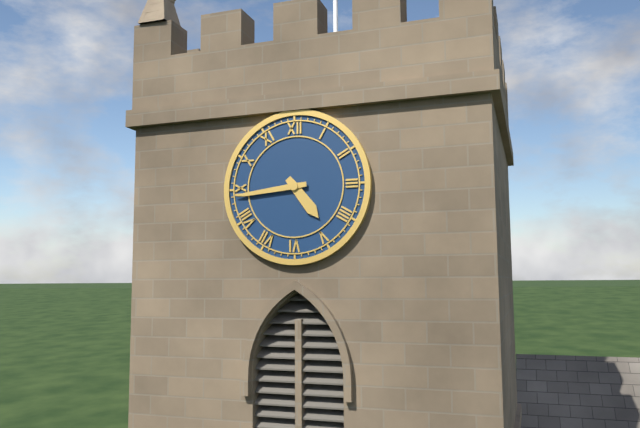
{"hour": 4, "minute": 44}
